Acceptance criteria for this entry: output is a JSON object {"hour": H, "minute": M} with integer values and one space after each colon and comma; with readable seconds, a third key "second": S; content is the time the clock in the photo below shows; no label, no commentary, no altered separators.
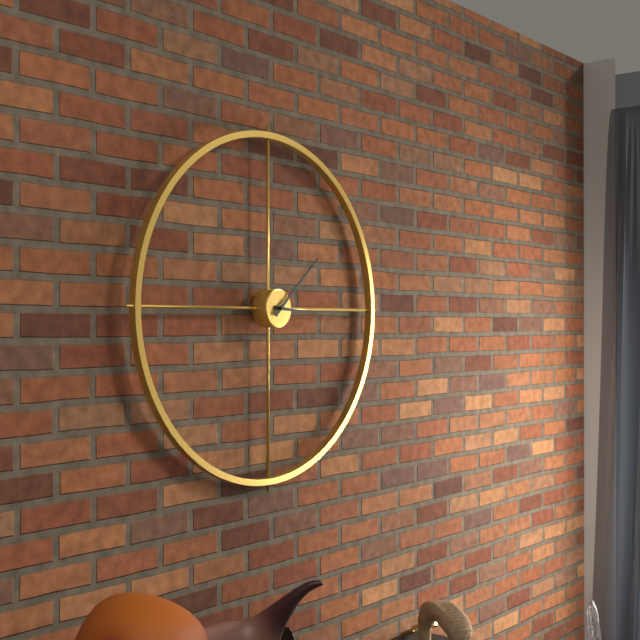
{"hour": 3, "minute": 8}
